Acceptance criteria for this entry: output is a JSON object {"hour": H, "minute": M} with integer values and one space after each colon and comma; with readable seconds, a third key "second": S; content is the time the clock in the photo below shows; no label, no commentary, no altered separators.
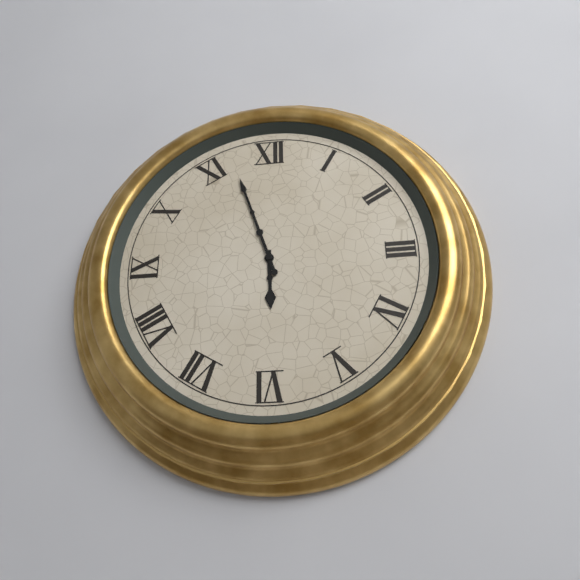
{"hour": 5, "minute": 57}
